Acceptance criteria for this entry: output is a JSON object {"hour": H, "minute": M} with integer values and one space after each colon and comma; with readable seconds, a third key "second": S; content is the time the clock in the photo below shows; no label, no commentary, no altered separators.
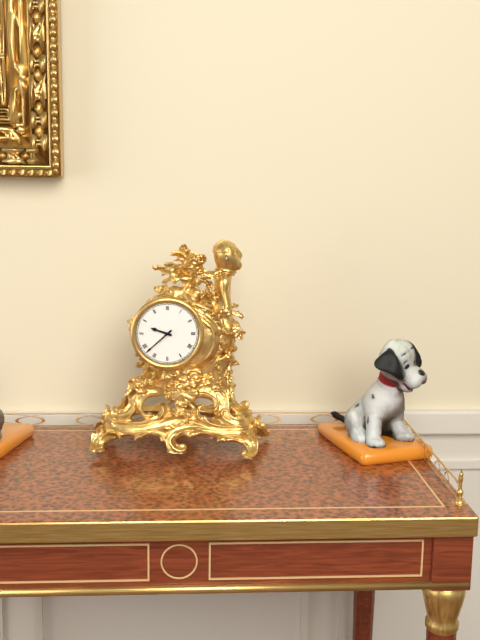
{"hour": 9, "minute": 38}
